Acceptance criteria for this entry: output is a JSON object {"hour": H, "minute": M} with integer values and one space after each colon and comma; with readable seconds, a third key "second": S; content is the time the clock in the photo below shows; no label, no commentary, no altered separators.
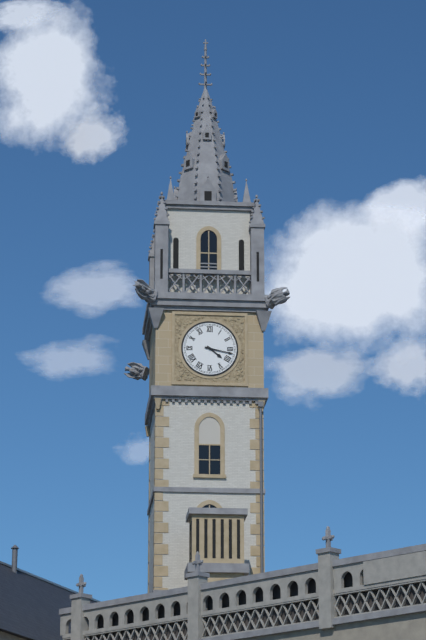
{"hour": 4, "minute": 17}
